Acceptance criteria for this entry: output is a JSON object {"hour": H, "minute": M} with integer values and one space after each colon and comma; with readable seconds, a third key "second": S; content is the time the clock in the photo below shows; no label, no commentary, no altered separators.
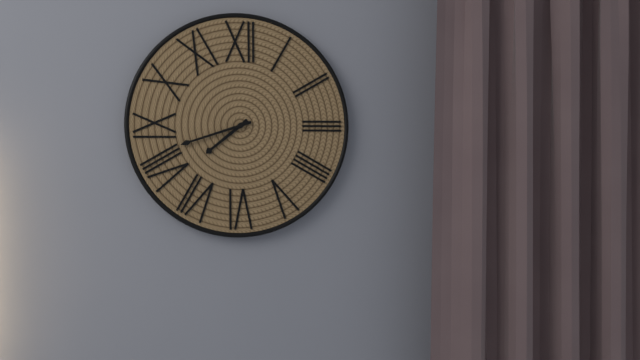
{"hour": 7, "minute": 42}
